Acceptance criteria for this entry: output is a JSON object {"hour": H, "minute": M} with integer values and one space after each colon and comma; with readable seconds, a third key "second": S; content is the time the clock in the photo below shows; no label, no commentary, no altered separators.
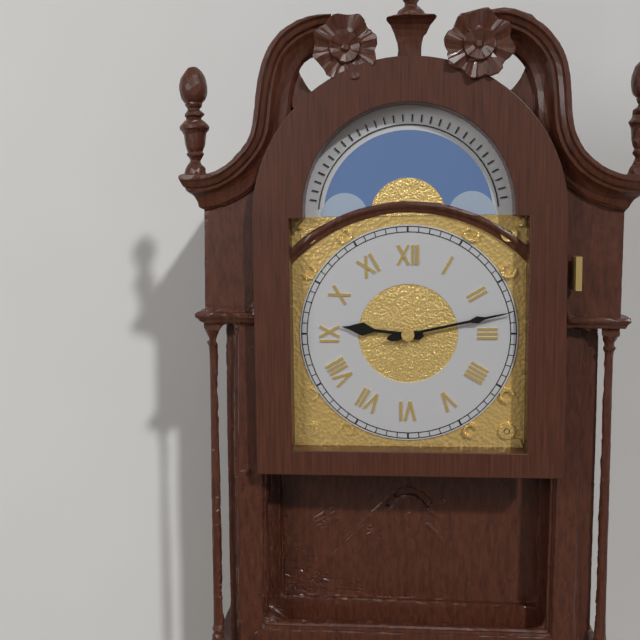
{"hour": 9, "minute": 13}
